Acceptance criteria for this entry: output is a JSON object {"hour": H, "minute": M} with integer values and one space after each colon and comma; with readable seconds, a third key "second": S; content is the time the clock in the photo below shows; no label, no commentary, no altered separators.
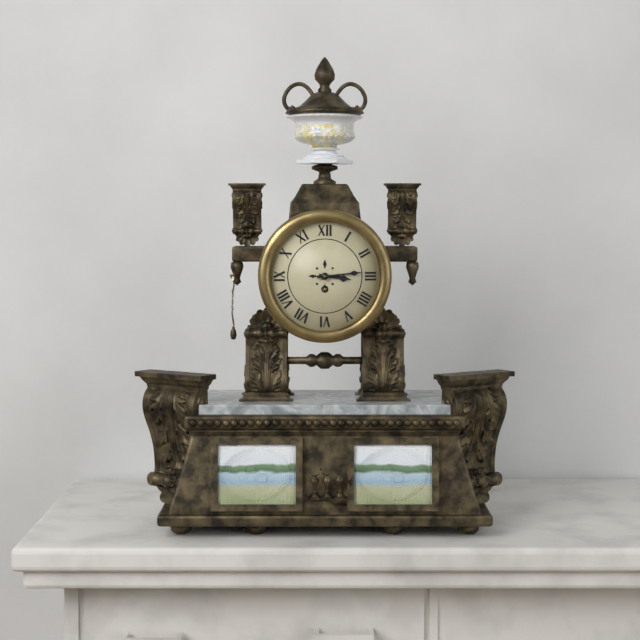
{"hour": 3, "minute": 14}
